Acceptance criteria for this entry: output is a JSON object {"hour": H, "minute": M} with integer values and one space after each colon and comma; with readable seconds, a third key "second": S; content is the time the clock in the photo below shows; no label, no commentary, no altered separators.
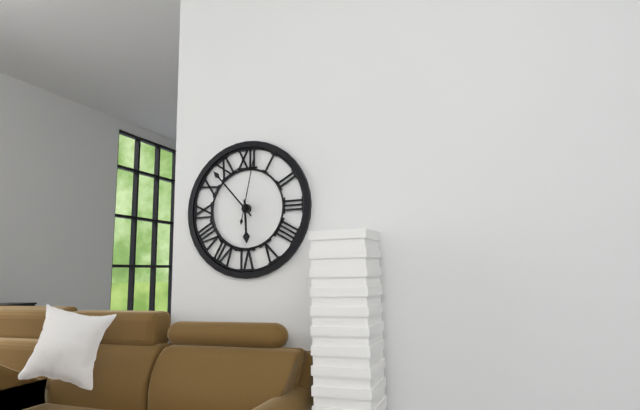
{"hour": 5, "minute": 53, "second": 2}
